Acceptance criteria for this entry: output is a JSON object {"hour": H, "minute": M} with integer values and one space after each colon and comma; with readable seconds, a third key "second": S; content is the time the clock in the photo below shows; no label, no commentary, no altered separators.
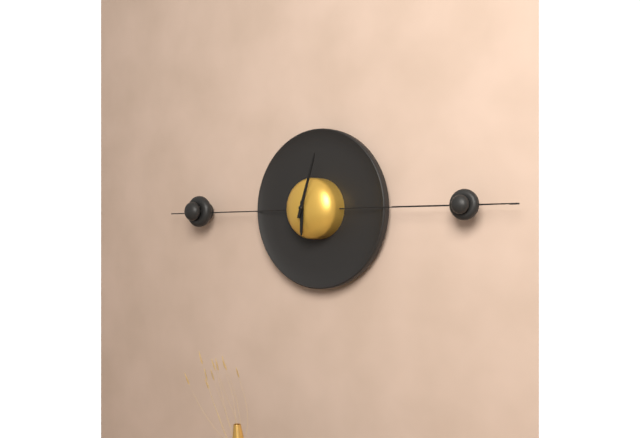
{"hour": 6, "minute": 3}
